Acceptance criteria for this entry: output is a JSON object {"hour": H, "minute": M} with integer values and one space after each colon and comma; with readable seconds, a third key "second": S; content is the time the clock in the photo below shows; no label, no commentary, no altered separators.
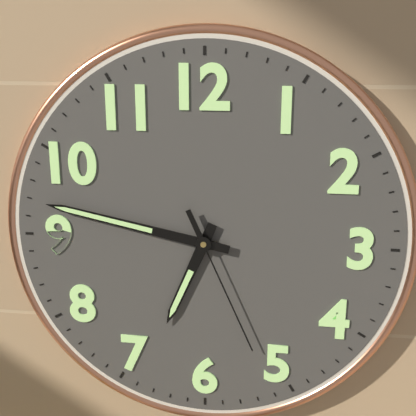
{"hour": 6, "minute": 47, "second": 26}
